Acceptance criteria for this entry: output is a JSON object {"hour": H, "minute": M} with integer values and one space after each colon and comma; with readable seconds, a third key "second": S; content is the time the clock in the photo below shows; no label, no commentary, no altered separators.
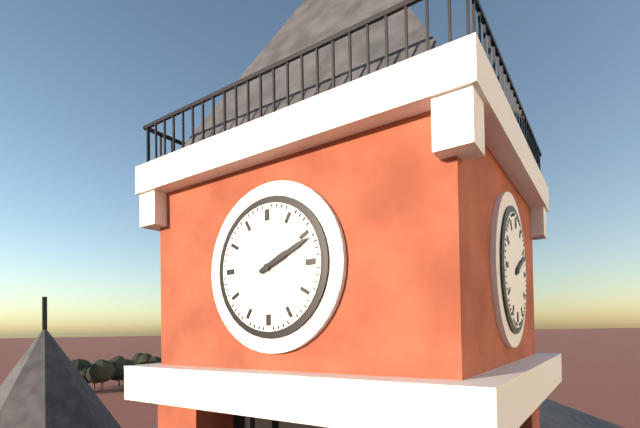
{"hour": 2, "minute": 11}
